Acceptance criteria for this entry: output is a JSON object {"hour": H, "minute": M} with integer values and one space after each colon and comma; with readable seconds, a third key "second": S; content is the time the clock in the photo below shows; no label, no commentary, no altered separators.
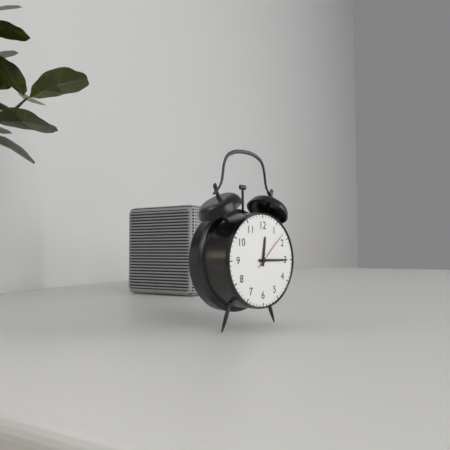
{"hour": 12, "minute": 15}
